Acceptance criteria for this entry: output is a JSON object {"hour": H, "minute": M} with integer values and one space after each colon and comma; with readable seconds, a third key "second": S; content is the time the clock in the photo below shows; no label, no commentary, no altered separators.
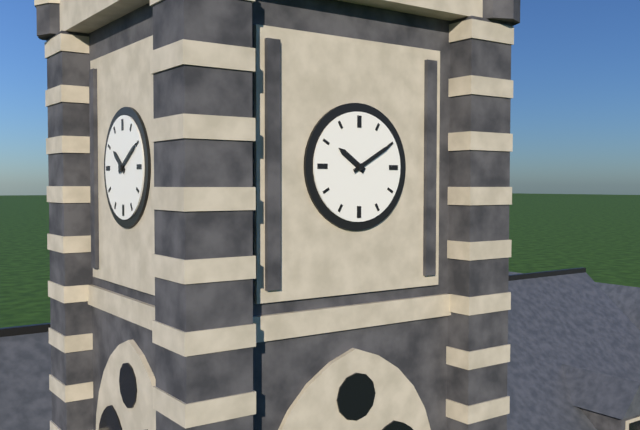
{"hour": 10, "minute": 10}
